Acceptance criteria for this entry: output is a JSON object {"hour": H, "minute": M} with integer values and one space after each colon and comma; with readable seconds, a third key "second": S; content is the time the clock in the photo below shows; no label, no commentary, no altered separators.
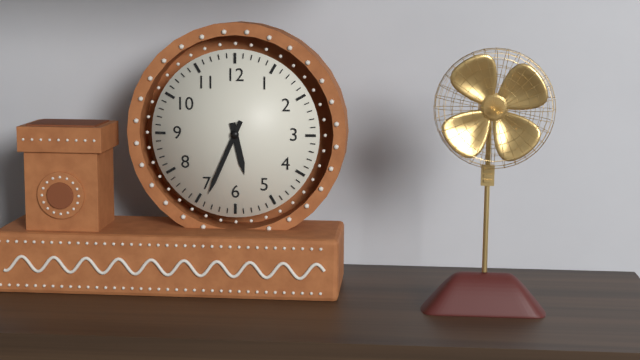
{"hour": 5, "minute": 34}
